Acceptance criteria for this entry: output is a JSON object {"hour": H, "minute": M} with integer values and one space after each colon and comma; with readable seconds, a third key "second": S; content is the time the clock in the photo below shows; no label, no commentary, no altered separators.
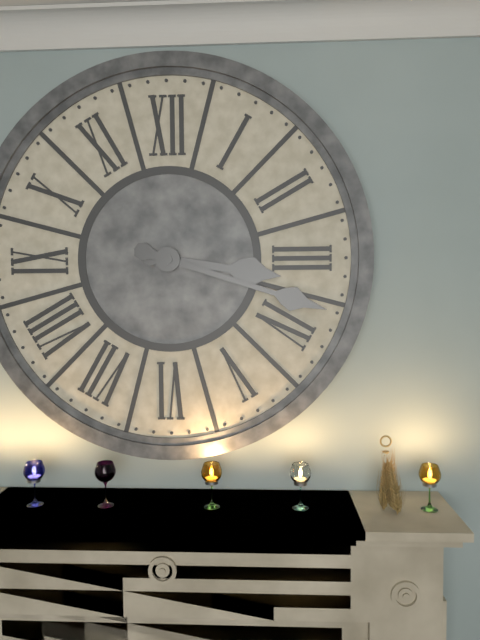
{"hour": 3, "minute": 18}
